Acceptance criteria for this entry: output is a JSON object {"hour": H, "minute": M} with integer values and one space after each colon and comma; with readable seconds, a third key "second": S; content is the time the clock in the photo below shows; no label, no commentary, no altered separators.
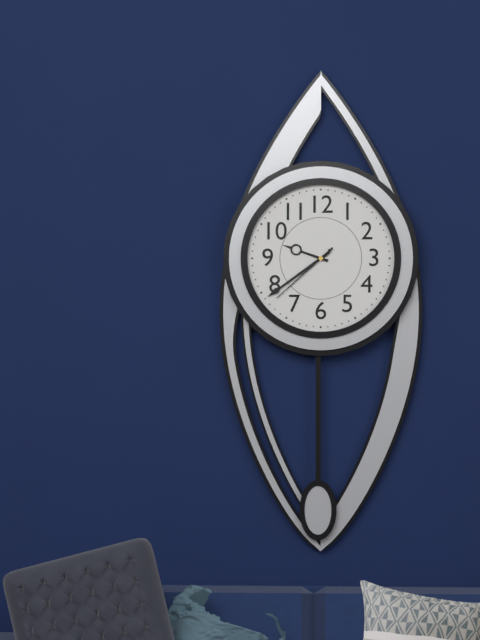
{"hour": 9, "minute": 39, "second": 38}
